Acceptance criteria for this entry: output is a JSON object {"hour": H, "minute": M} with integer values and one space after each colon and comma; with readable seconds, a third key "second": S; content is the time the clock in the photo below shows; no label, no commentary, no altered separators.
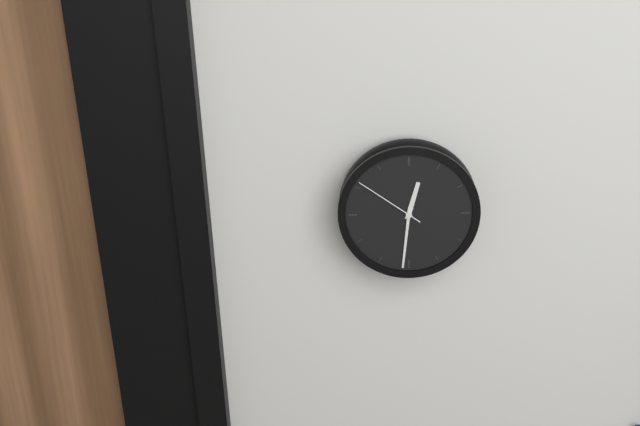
{"hour": 12, "minute": 31, "second": 51}
